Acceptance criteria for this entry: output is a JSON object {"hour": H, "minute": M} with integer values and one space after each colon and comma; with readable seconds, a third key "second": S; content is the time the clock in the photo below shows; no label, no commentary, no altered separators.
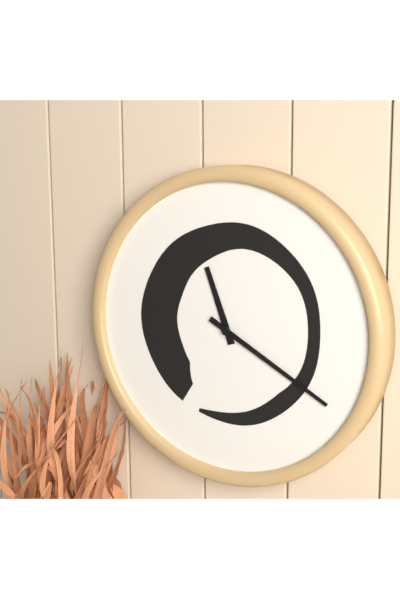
{"hour": 11, "minute": 20}
